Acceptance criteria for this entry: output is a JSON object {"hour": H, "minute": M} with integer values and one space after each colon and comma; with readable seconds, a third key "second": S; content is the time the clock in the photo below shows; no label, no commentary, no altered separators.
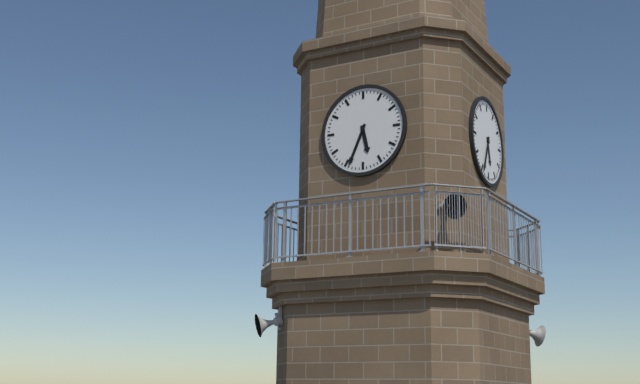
{"hour": 5, "minute": 34}
